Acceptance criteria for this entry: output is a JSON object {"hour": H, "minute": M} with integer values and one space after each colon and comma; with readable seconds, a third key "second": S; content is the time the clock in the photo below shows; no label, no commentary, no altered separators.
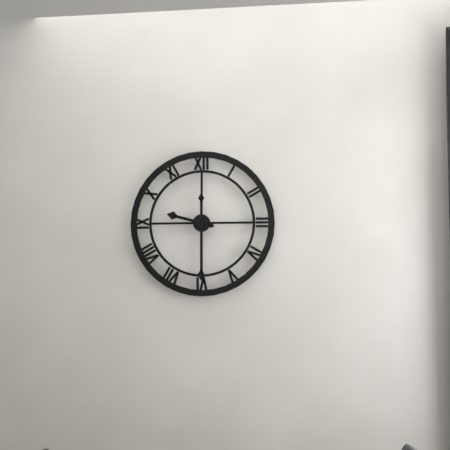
{"hour": 9, "minute": 30}
